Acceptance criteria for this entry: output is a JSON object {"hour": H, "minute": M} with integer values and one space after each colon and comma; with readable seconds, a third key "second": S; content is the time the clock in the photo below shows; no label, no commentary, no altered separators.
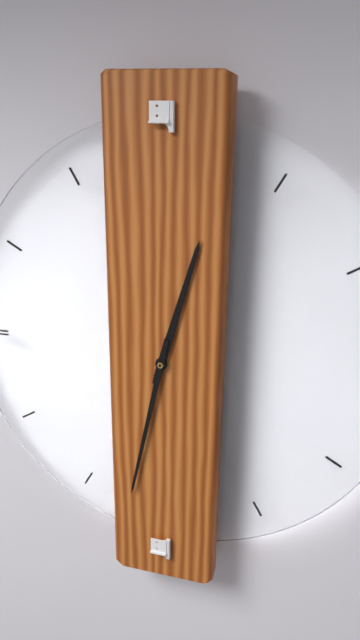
{"hour": 12, "minute": 32}
